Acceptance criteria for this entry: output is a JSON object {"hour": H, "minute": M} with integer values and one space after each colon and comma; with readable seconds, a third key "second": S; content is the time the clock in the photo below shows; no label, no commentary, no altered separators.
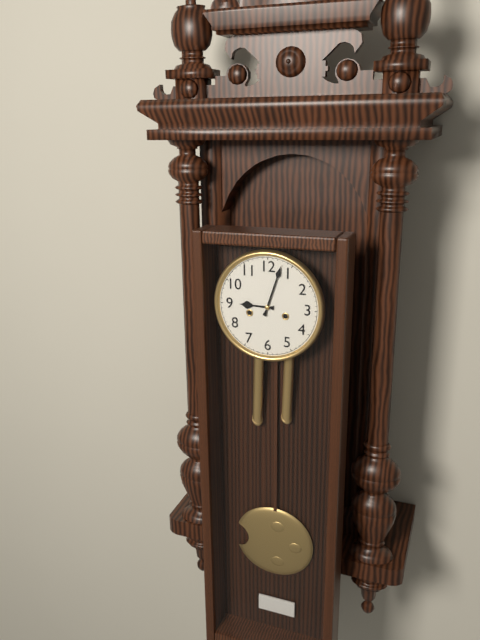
{"hour": 9, "minute": 3}
